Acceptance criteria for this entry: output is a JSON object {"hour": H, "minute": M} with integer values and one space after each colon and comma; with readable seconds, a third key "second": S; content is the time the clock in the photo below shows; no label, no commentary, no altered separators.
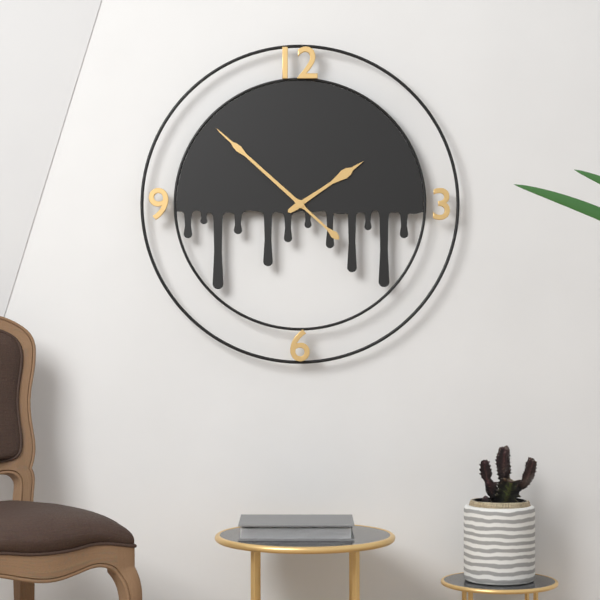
{"hour": 1, "minute": 52}
